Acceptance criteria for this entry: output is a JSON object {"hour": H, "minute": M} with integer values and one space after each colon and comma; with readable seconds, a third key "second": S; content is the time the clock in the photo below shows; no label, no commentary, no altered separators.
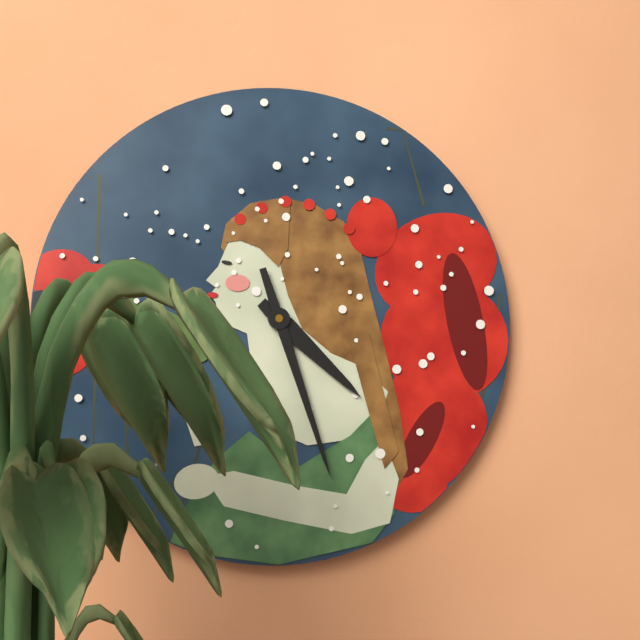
{"hour": 4, "minute": 27}
